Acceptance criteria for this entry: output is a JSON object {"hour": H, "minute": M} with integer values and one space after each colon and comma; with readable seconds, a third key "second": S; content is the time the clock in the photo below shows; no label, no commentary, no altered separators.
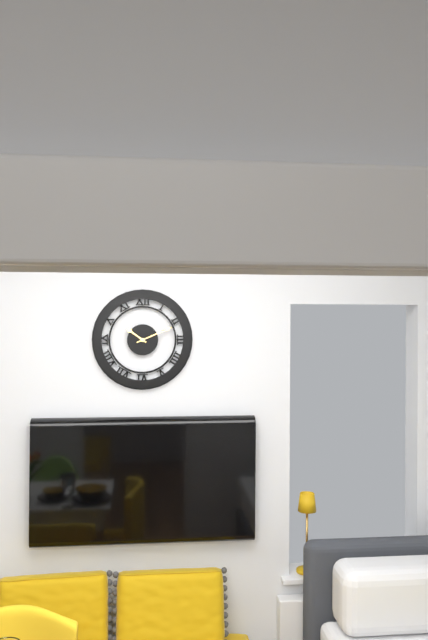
{"hour": 10, "minute": 11}
